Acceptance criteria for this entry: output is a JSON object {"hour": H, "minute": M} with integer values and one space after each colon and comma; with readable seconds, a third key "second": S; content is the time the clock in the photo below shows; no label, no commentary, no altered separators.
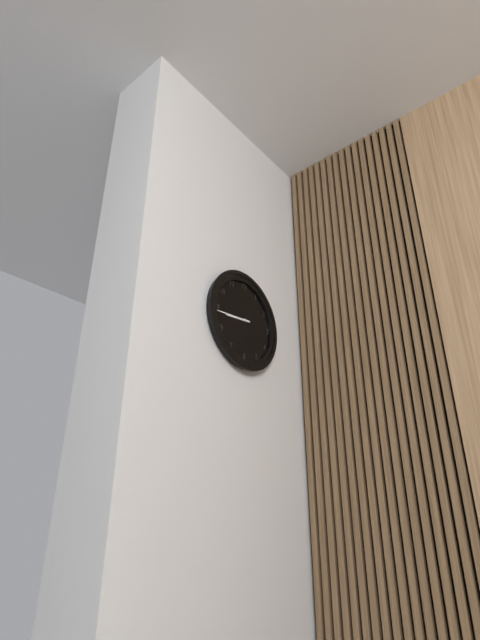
{"hour": 8, "minute": 44}
